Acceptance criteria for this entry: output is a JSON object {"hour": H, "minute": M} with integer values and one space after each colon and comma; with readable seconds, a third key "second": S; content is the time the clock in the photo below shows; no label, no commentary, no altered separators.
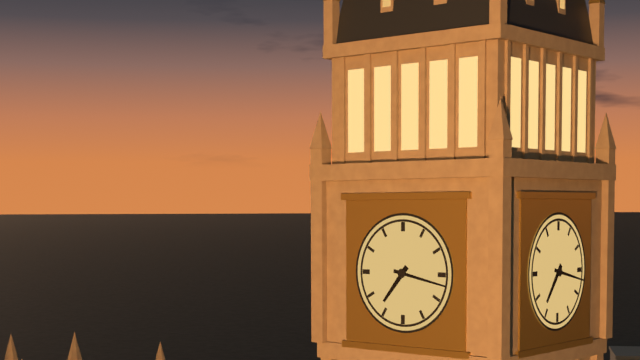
{"hour": 7, "minute": 17}
